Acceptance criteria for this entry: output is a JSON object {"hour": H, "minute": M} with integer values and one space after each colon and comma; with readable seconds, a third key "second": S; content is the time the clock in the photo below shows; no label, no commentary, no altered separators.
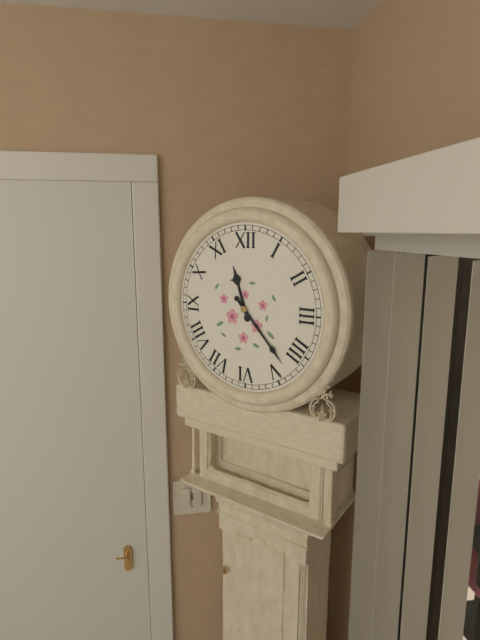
{"hour": 11, "minute": 23}
